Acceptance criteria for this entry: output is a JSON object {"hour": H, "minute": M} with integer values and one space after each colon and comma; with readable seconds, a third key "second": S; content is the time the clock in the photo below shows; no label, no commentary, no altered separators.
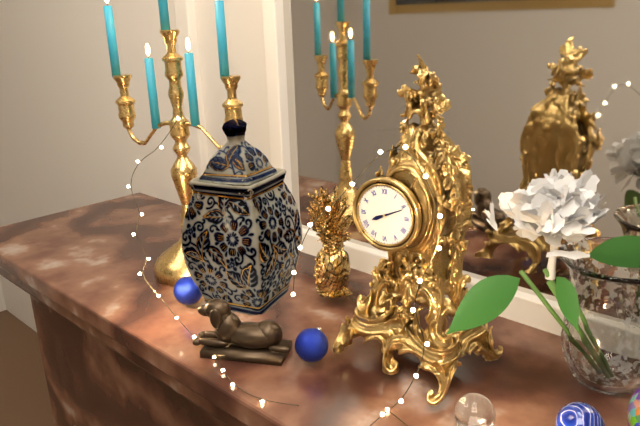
{"hour": 8, "minute": 11}
